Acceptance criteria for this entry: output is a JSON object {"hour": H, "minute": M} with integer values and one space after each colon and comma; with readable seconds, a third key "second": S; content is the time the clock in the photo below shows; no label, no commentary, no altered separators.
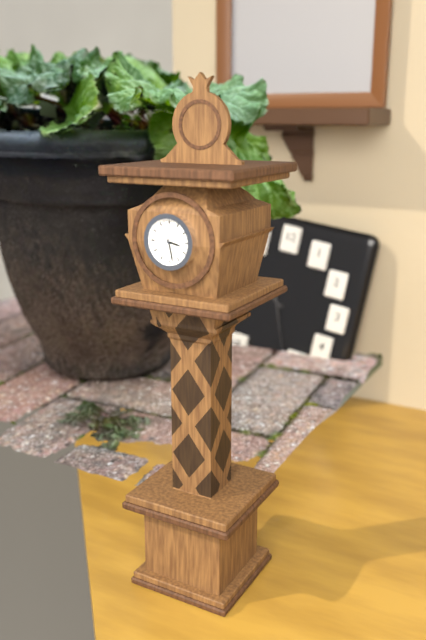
{"hour": 3, "minute": 28}
